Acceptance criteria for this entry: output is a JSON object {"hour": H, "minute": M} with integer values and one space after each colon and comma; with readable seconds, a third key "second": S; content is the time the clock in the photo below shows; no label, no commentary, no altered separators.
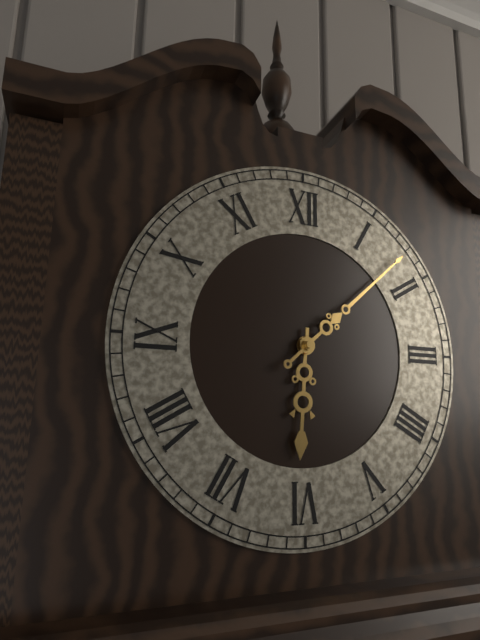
{"hour": 6, "minute": 8}
